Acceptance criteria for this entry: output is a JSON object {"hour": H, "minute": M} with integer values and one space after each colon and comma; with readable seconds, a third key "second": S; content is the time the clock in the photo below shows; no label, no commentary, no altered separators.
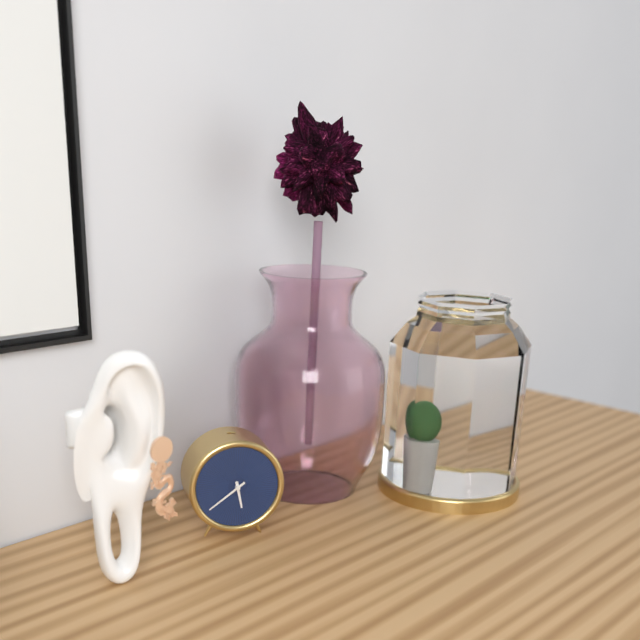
{"hour": 5, "minute": 39}
